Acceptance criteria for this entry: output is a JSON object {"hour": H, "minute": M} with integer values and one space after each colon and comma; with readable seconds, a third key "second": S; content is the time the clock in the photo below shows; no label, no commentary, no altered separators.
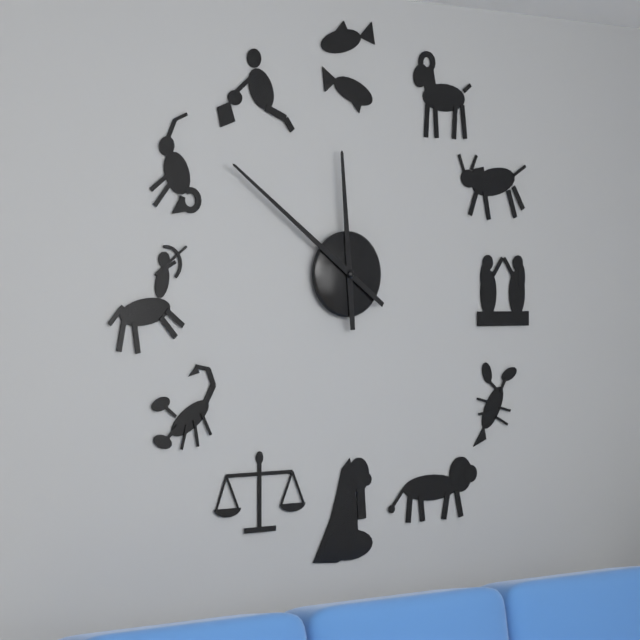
{"hour": 11, "minute": 51}
